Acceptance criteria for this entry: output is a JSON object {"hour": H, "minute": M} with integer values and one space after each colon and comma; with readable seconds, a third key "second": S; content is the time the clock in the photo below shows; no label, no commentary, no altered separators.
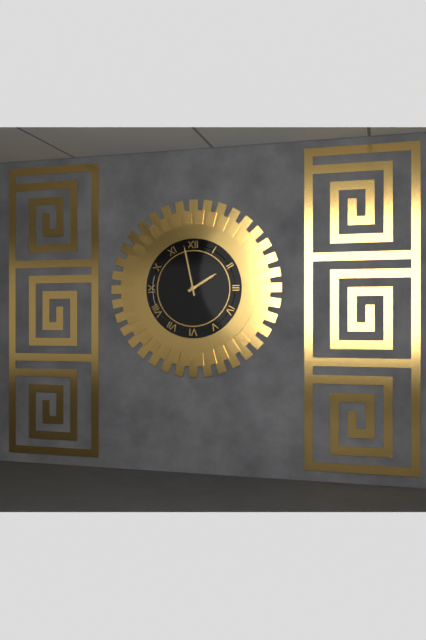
{"hour": 1, "minute": 58}
